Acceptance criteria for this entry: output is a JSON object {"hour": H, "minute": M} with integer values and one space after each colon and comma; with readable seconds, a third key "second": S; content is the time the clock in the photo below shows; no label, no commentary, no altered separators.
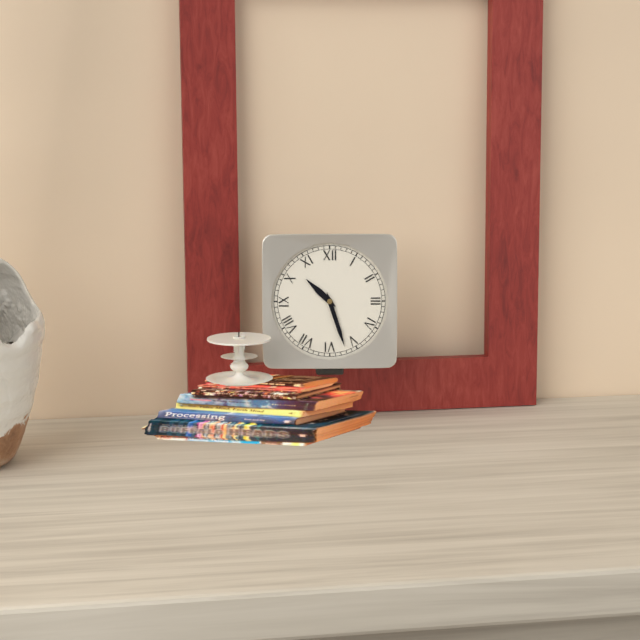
{"hour": 10, "minute": 27}
